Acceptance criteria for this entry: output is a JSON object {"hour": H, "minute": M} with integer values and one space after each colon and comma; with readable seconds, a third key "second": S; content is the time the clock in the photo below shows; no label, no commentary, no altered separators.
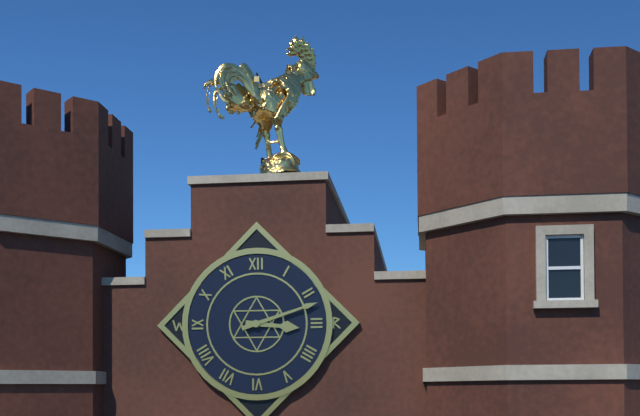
{"hour": 3, "minute": 12}
